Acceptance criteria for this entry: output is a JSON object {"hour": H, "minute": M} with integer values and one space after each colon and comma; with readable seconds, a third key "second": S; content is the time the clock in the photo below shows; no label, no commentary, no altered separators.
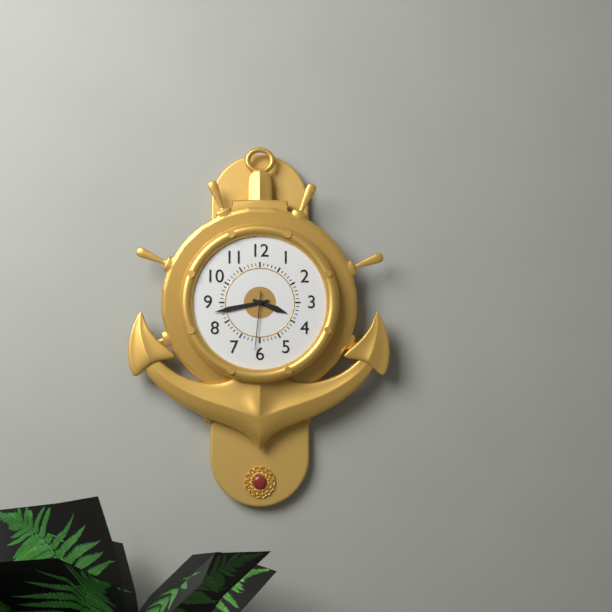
{"hour": 3, "minute": 43, "second": 31}
